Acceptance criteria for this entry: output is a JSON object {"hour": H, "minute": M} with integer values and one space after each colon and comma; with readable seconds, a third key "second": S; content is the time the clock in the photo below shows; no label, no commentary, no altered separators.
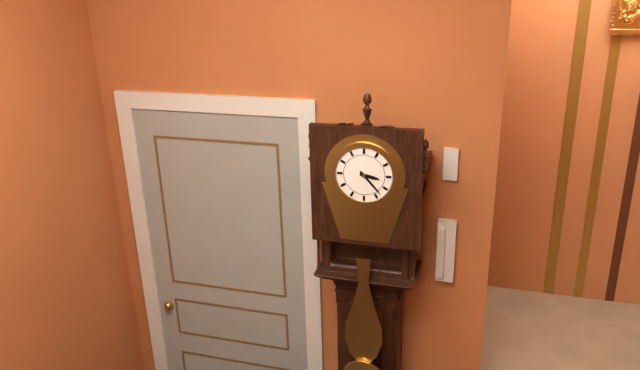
{"hour": 3, "minute": 23}
